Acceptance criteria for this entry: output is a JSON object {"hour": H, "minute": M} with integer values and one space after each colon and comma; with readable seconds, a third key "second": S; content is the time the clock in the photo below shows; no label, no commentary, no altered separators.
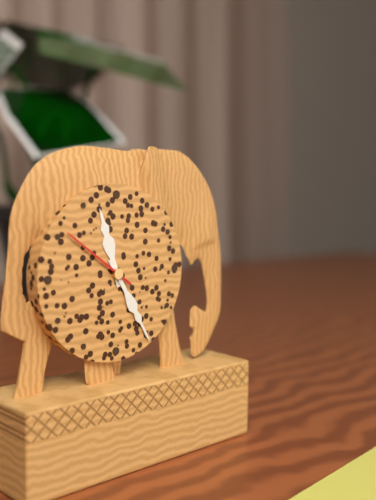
{"hour": 11, "minute": 25, "second": 51}
